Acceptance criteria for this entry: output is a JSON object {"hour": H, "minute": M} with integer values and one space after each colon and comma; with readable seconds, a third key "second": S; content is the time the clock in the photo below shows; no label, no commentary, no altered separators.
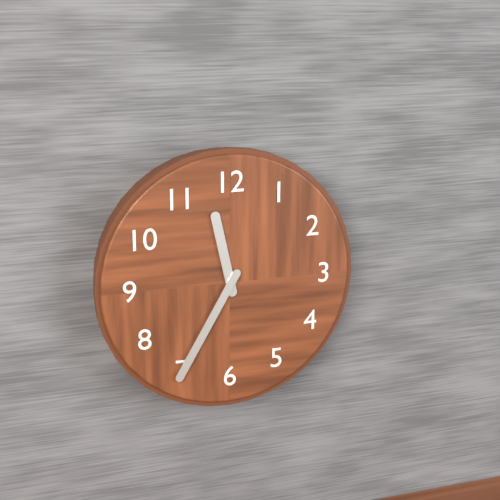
{"hour": 11, "minute": 35}
